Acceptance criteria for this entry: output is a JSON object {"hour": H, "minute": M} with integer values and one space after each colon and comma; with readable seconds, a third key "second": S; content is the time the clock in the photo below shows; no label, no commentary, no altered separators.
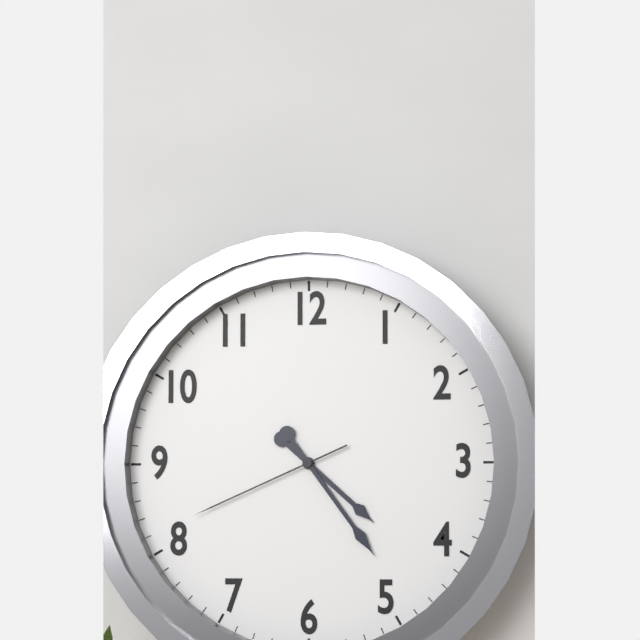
{"hour": 4, "minute": 24, "second": 41}
